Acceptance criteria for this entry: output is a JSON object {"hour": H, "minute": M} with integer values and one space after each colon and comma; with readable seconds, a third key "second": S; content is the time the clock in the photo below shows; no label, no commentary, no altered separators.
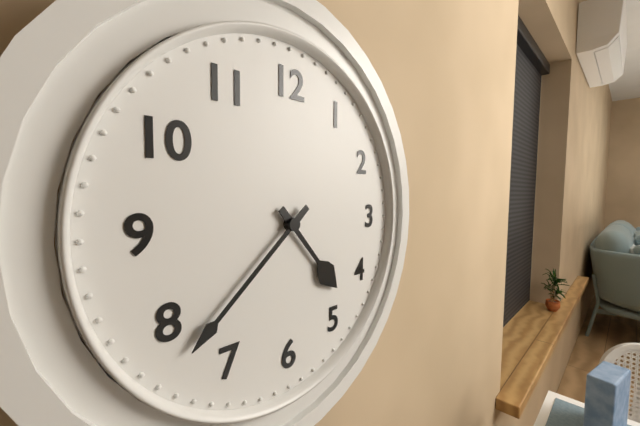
{"hour": 4, "minute": 38}
